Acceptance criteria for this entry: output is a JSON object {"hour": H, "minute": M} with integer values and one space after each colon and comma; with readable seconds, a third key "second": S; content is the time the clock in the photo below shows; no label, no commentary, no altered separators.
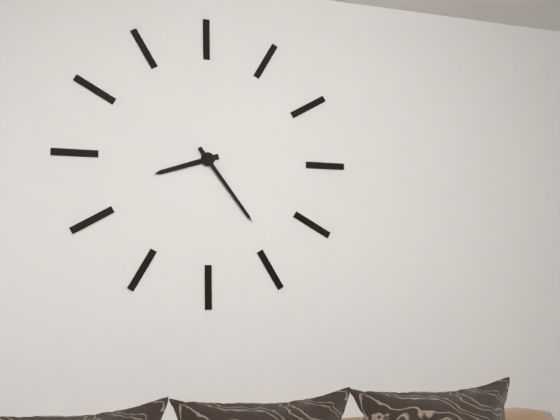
{"hour": 8, "minute": 24}
